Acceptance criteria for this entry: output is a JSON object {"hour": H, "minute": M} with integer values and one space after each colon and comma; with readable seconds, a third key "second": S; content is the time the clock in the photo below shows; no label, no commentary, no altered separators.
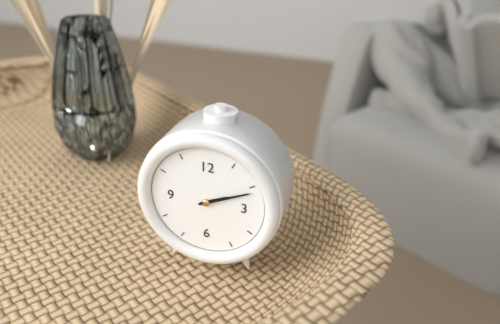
{"hour": 2, "minute": 11}
